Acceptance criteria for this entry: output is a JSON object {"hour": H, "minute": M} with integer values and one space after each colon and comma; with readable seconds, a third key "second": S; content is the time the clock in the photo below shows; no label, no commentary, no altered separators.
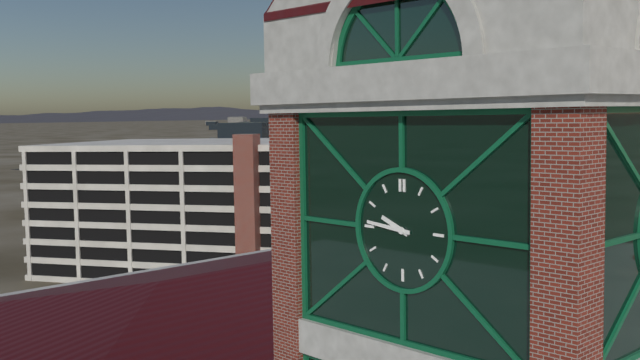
{"hour": 9, "minute": 46}
